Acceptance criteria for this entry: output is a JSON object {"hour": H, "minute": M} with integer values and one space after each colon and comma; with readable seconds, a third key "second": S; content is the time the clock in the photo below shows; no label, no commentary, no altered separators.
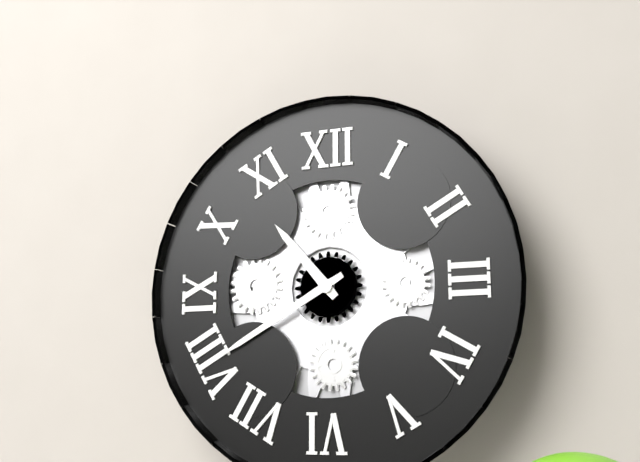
{"hour": 10, "minute": 40}
